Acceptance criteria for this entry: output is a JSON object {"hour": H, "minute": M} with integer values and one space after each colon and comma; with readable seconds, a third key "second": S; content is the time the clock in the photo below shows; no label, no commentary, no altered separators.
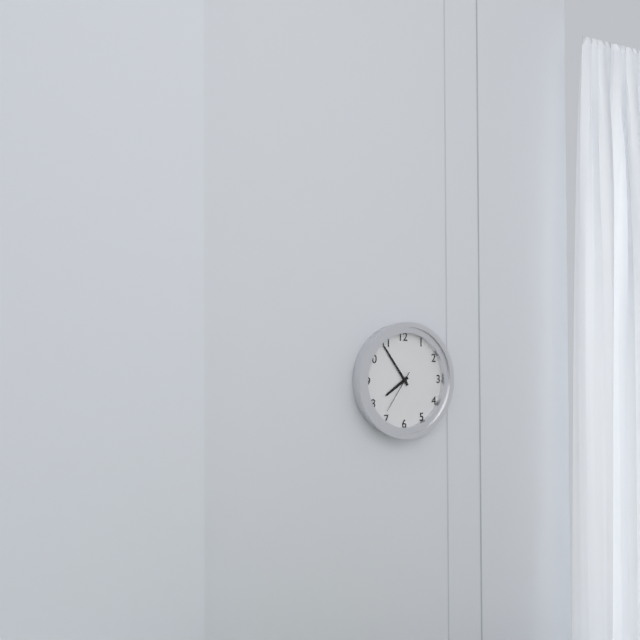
{"hour": 7, "minute": 54}
